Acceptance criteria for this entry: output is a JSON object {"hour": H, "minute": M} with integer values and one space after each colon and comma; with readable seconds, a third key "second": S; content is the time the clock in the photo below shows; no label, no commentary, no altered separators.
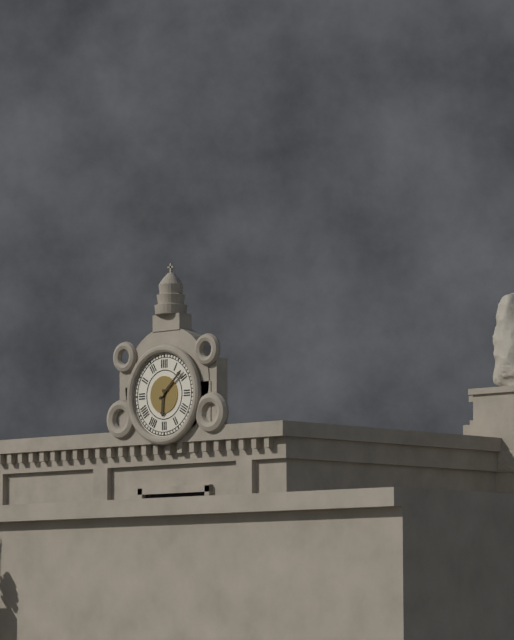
{"hour": 6, "minute": 8}
